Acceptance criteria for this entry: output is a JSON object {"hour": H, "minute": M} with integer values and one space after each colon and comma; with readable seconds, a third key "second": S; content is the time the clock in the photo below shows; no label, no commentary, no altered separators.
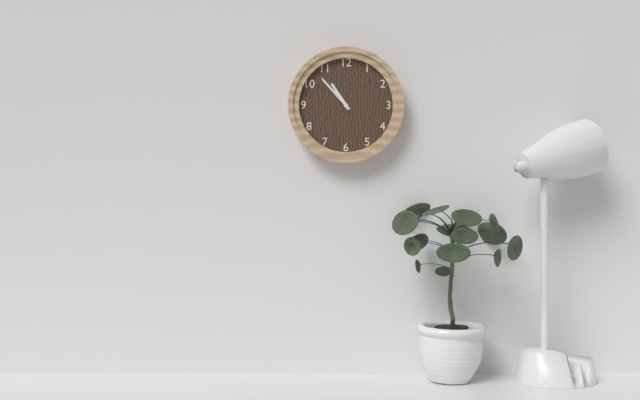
{"hour": 10, "minute": 53}
